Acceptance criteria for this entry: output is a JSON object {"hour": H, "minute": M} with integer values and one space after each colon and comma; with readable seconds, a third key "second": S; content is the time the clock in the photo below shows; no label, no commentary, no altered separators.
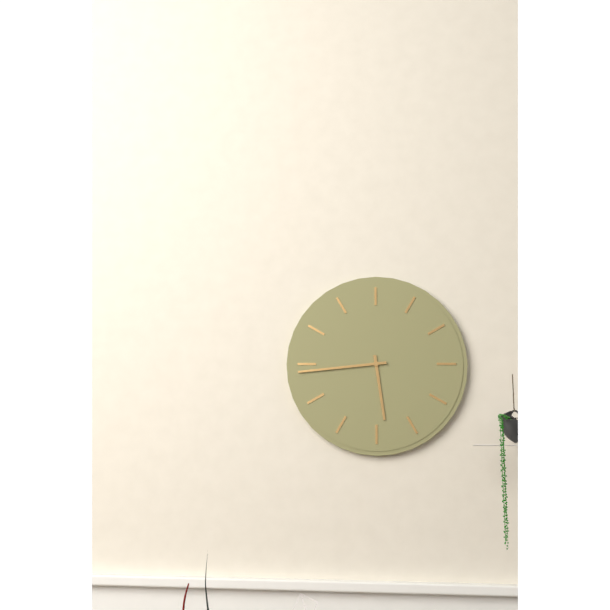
{"hour": 5, "minute": 44}
